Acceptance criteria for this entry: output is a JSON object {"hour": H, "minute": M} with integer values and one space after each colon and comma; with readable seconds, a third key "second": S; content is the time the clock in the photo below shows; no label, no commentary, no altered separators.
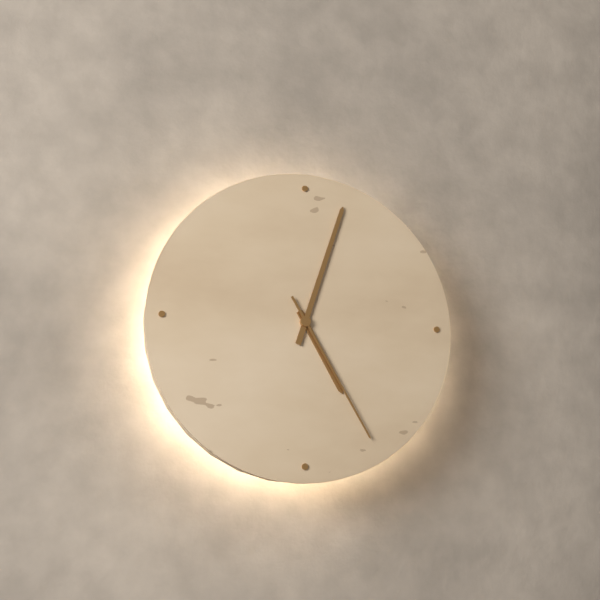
{"hour": 5, "minute": 3, "second": 25}
